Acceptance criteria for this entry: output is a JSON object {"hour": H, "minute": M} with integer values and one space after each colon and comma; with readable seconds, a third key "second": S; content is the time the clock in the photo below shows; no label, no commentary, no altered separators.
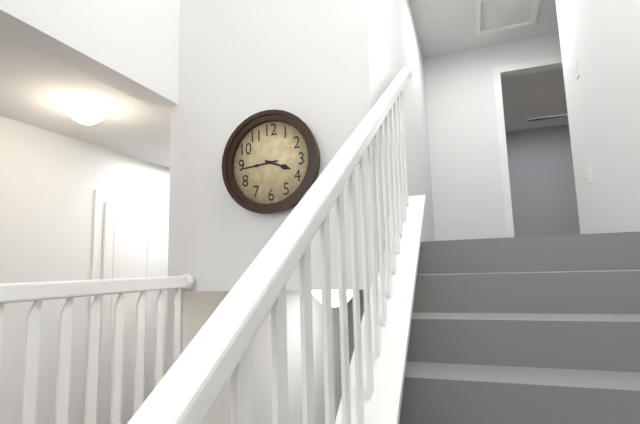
{"hour": 3, "minute": 44}
